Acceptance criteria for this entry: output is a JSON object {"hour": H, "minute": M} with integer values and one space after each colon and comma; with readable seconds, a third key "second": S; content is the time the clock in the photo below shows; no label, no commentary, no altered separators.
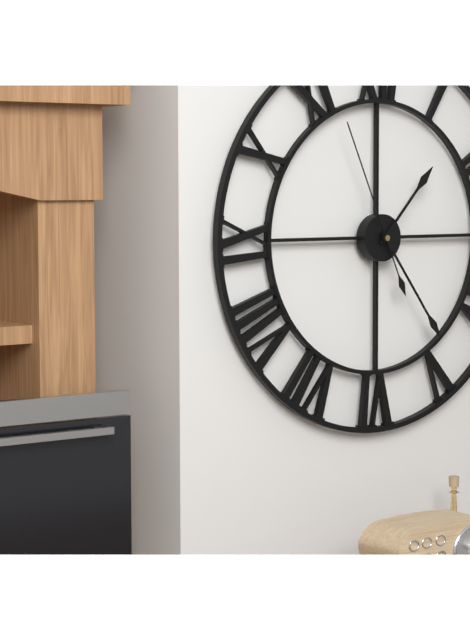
{"hour": 1, "minute": 24, "second": 56}
